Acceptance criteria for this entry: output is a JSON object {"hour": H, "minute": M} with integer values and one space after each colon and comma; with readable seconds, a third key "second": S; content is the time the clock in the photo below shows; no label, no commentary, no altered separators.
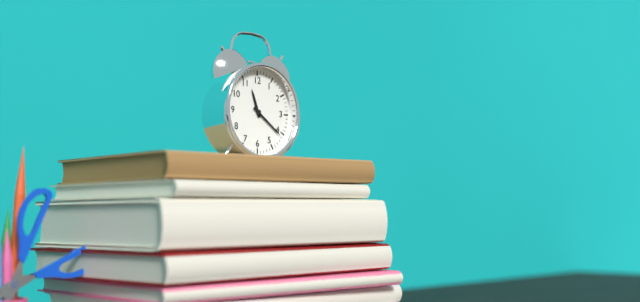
{"hour": 11, "minute": 21}
